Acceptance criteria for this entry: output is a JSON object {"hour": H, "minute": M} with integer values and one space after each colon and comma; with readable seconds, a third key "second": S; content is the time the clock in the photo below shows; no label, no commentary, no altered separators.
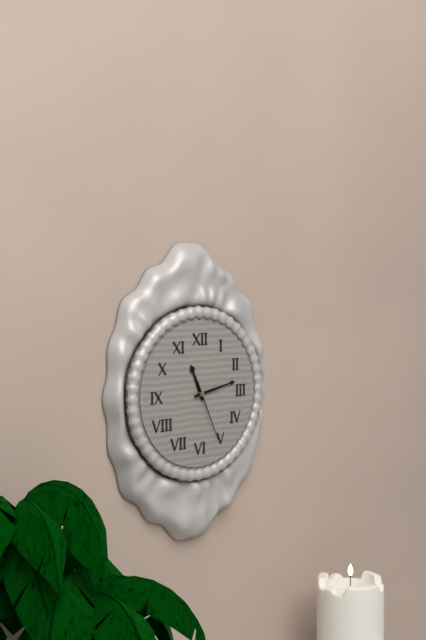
{"hour": 11, "minute": 13, "second": 26}
